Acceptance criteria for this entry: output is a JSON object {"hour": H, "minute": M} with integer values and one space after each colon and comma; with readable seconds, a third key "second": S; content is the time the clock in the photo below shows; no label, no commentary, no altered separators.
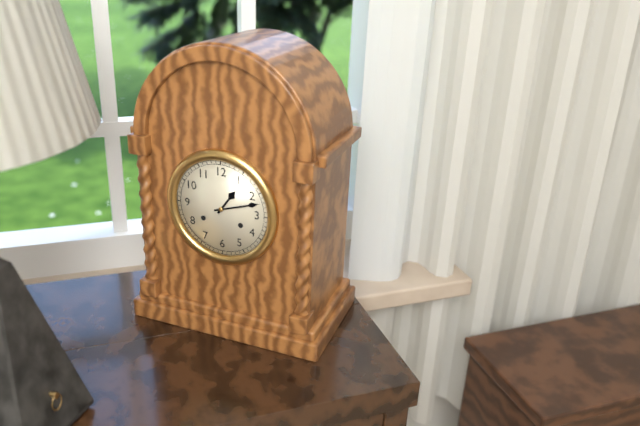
{"hour": 1, "minute": 12}
